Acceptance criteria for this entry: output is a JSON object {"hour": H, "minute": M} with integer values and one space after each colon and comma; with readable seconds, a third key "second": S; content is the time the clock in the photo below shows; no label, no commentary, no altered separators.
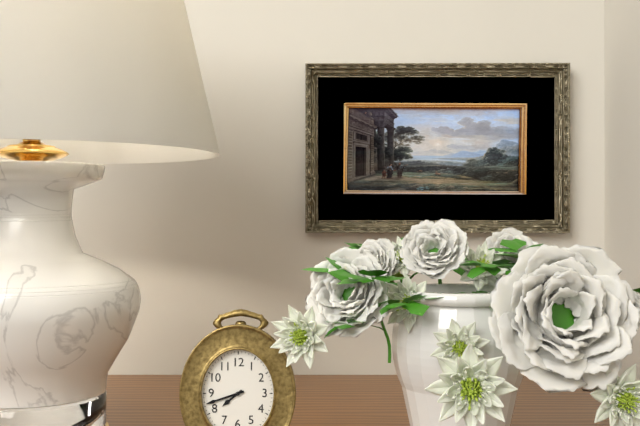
{"hour": 7, "minute": 42}
